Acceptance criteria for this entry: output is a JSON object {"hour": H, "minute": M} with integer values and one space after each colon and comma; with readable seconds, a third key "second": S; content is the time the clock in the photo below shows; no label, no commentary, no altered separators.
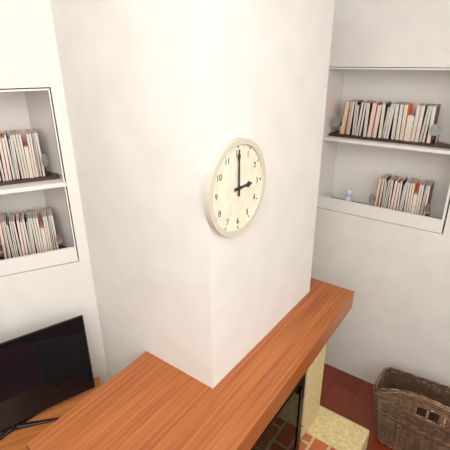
{"hour": 3, "minute": 0}
